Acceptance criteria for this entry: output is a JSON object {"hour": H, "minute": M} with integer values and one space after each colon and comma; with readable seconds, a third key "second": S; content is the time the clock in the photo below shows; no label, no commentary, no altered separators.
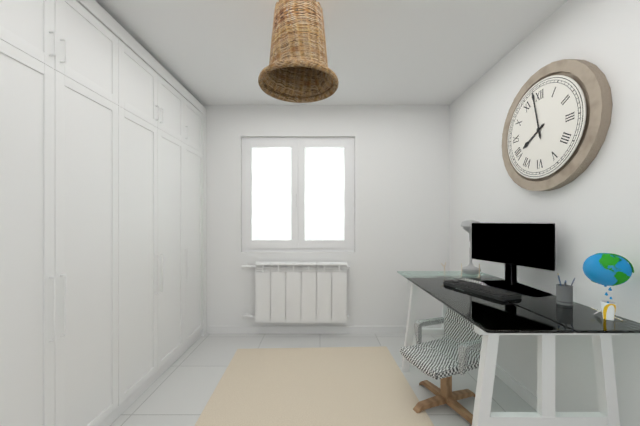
{"hour": 7, "minute": 58}
